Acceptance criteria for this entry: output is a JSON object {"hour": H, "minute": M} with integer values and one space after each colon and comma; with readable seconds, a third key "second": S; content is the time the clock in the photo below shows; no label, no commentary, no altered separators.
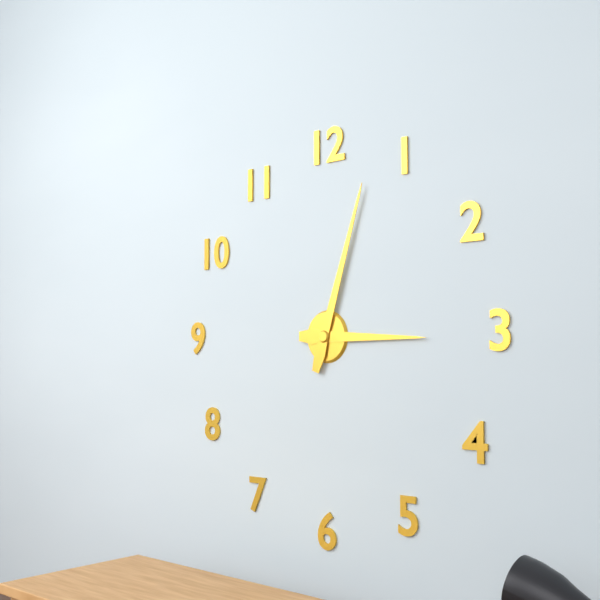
{"hour": 3, "minute": 3}
